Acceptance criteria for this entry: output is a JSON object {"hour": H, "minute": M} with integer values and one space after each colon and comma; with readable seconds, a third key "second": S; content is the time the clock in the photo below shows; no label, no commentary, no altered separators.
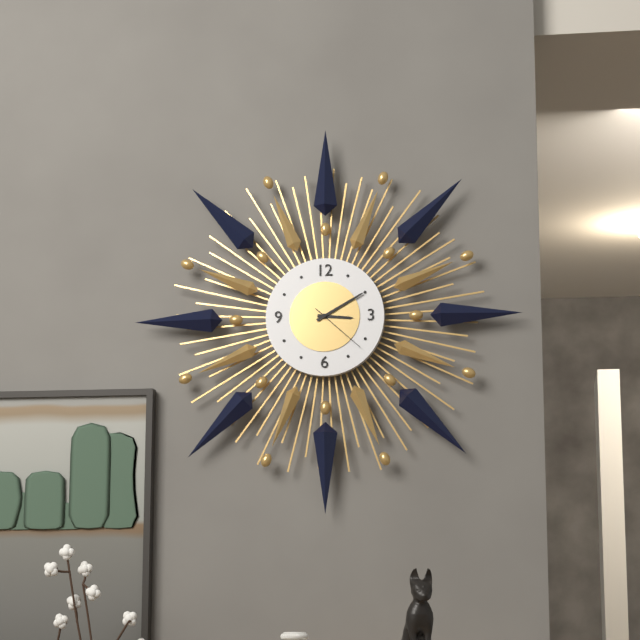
{"hour": 3, "minute": 10, "second": 22}
